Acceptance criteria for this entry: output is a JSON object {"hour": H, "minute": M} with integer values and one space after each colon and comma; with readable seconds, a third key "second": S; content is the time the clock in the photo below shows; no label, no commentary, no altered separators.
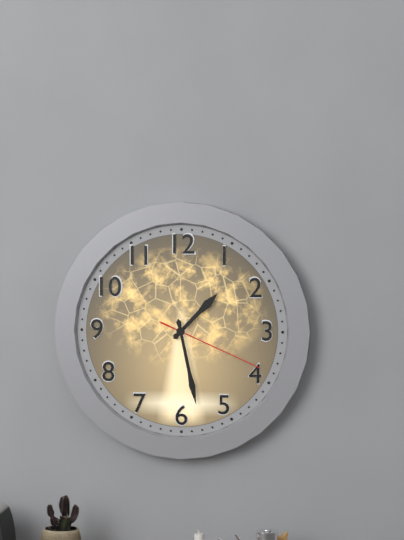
{"hour": 1, "minute": 28, "second": 19}
